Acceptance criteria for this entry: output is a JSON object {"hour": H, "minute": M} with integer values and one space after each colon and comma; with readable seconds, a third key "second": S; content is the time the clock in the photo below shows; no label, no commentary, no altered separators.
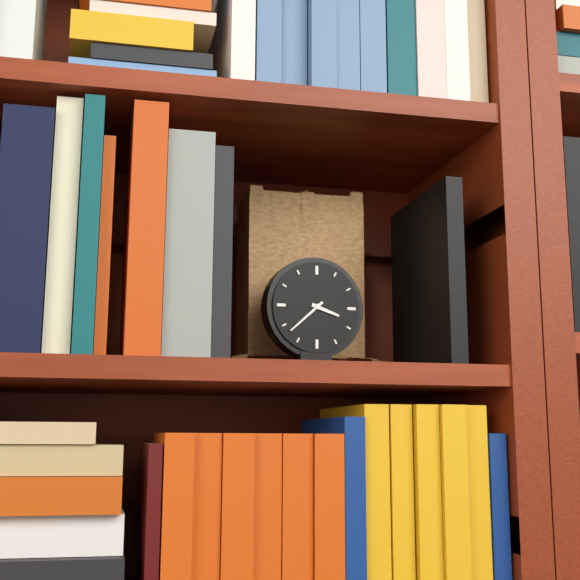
{"hour": 3, "minute": 38}
